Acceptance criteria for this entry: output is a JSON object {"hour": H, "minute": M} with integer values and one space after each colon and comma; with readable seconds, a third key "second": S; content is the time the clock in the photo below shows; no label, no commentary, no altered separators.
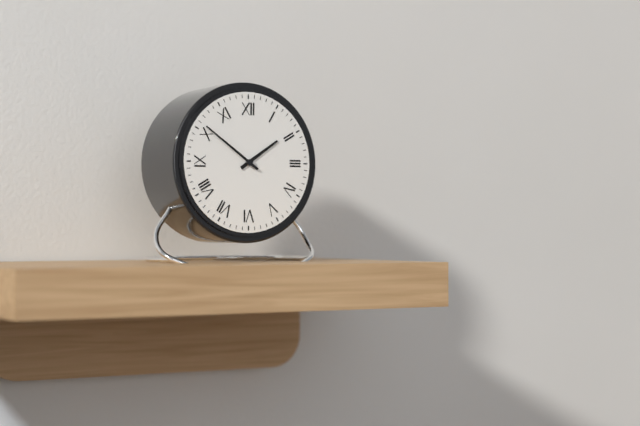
{"hour": 1, "minute": 51}
